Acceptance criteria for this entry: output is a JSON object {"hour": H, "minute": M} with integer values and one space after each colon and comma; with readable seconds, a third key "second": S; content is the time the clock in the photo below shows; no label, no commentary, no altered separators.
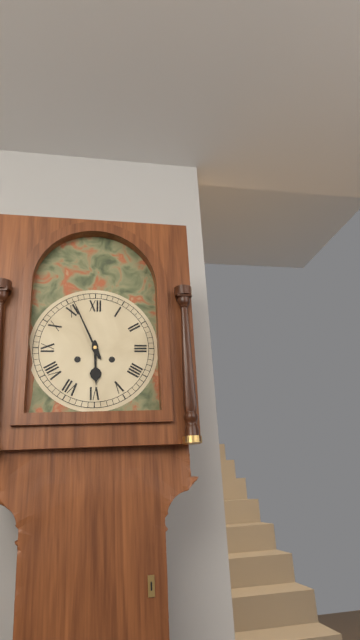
{"hour": 5, "minute": 56}
